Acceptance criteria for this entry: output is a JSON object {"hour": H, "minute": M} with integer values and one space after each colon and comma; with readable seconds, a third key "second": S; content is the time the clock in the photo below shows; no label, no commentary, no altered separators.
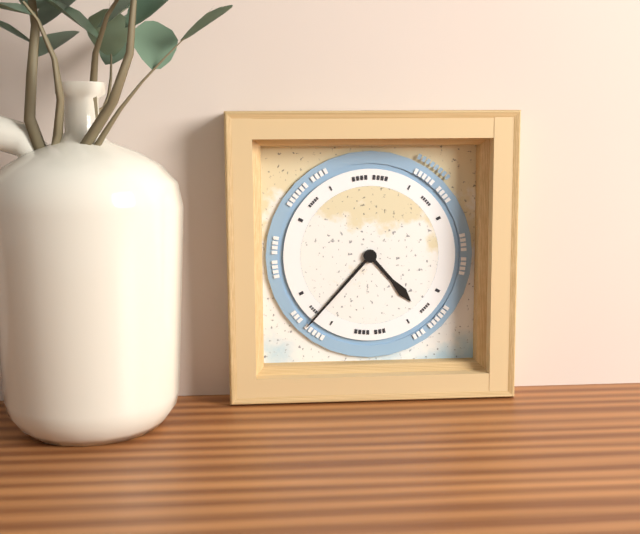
{"hour": 4, "minute": 37}
